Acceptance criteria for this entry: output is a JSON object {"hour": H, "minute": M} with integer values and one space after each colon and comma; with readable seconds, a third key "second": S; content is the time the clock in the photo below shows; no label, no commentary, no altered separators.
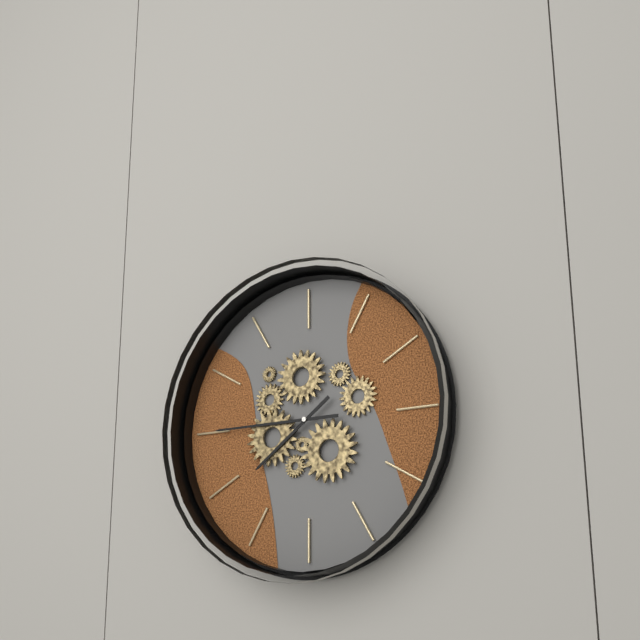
{"hour": 7, "minute": 45}
